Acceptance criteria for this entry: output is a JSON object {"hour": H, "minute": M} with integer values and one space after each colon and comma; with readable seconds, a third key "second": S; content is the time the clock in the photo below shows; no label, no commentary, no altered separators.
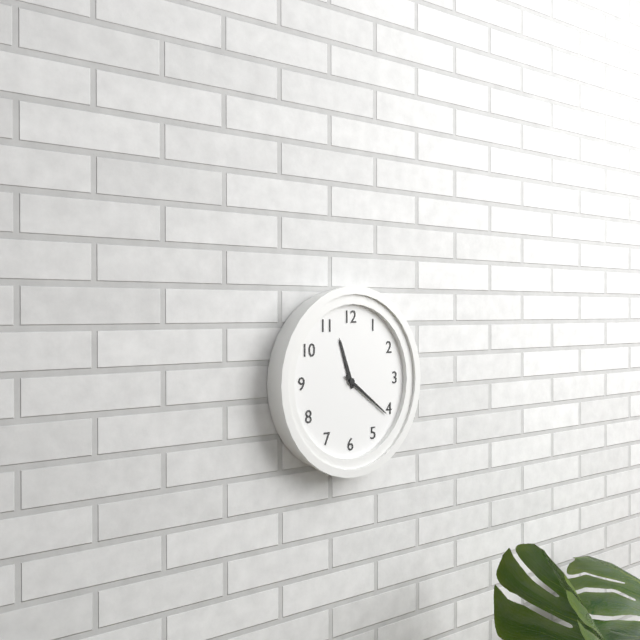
{"hour": 11, "minute": 21}
